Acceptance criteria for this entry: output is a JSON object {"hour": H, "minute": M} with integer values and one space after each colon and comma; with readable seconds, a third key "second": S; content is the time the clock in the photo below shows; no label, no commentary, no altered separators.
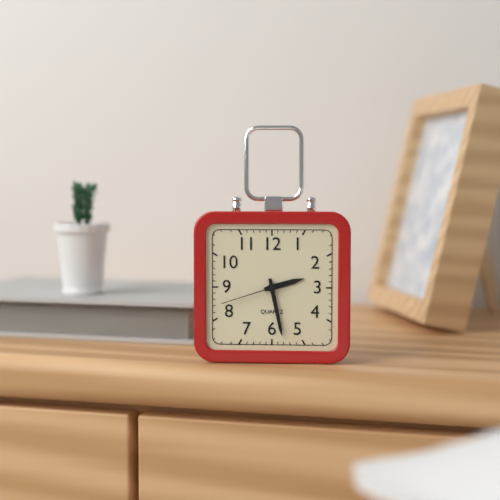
{"hour": 2, "minute": 28, "second": 42}
